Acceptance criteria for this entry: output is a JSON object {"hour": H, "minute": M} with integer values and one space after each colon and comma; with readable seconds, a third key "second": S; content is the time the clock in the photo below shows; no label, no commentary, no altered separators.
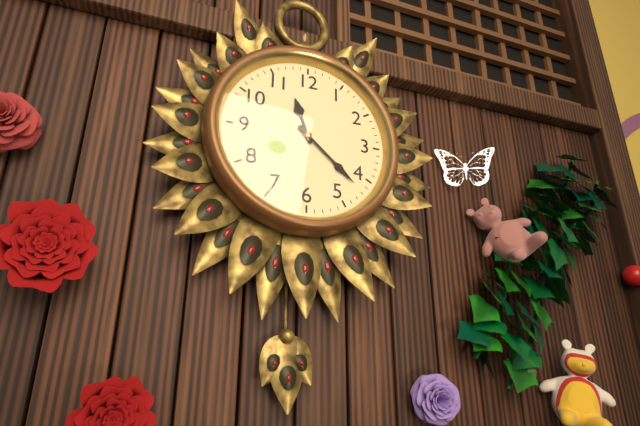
{"hour": 11, "minute": 22}
